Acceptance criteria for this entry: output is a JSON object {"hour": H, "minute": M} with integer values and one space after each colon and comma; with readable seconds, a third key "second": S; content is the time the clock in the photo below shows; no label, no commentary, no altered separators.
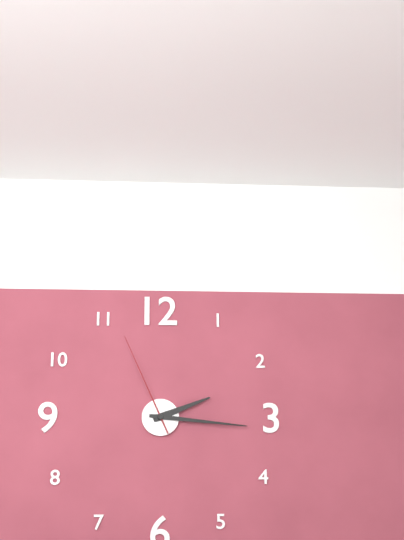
{"hour": 2, "minute": 16, "second": 56}
